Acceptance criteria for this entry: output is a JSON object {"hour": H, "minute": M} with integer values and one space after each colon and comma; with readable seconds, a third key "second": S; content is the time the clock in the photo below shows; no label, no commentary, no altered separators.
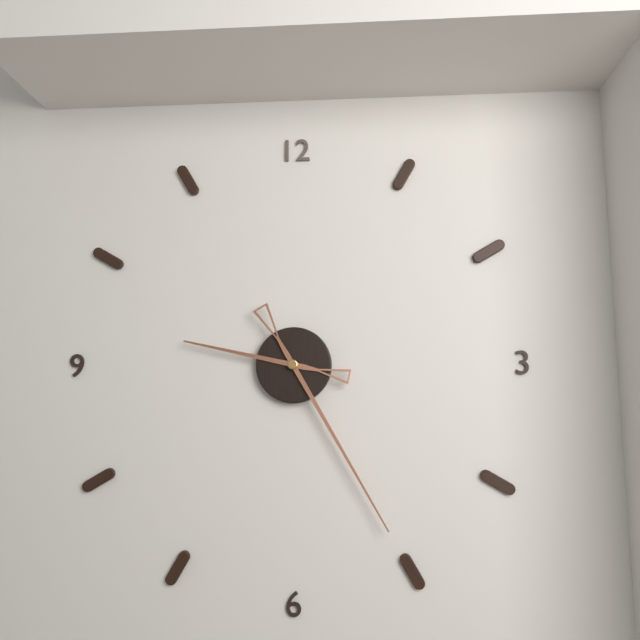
{"hour": 9, "minute": 25}
